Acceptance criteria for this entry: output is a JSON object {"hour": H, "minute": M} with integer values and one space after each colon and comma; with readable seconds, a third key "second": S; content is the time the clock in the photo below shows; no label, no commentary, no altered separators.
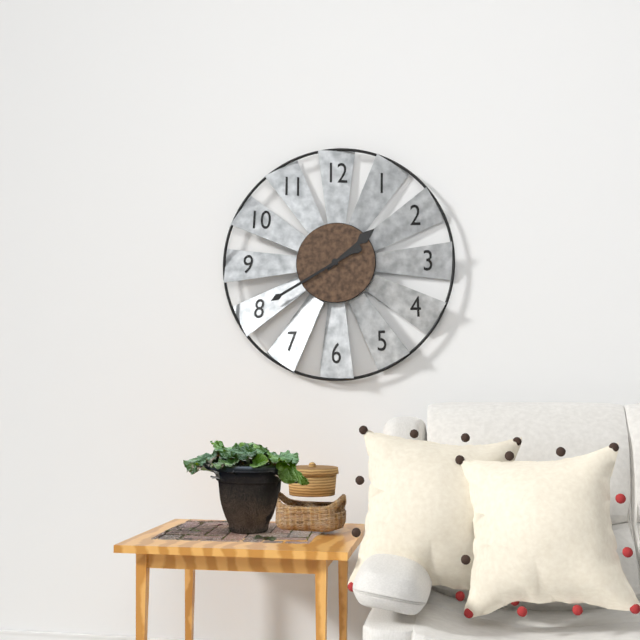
{"hour": 1, "minute": 40}
